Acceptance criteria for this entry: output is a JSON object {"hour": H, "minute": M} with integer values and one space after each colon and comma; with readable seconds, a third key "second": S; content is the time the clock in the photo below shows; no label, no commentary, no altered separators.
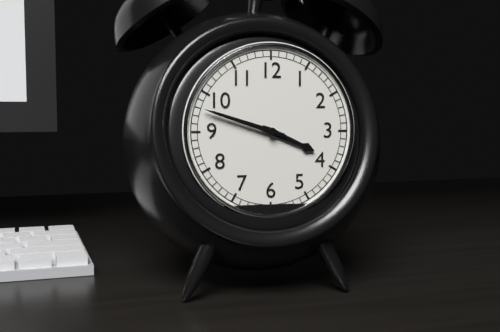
{"hour": 3, "minute": 48}
